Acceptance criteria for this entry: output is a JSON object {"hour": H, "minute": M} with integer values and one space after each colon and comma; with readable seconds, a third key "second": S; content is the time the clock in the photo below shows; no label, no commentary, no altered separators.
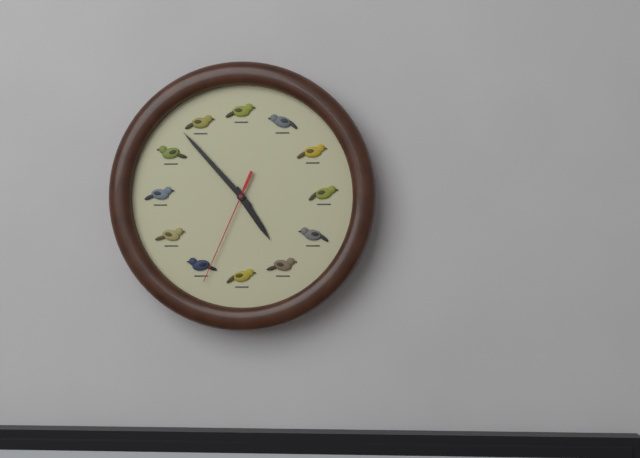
{"hour": 4, "minute": 53, "second": 34}
